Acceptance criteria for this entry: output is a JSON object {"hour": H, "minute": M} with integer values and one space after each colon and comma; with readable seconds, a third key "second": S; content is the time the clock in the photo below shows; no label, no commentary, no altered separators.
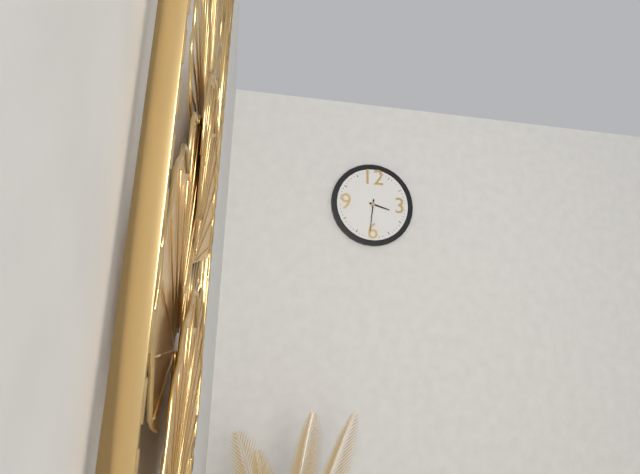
{"hour": 3, "minute": 31}
